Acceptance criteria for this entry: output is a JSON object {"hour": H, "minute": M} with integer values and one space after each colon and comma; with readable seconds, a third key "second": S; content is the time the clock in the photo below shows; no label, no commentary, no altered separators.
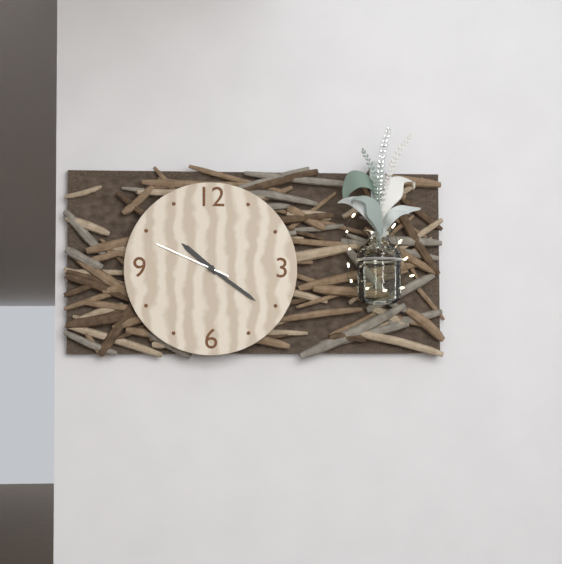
{"hour": 10, "minute": 21, "second": 49}
